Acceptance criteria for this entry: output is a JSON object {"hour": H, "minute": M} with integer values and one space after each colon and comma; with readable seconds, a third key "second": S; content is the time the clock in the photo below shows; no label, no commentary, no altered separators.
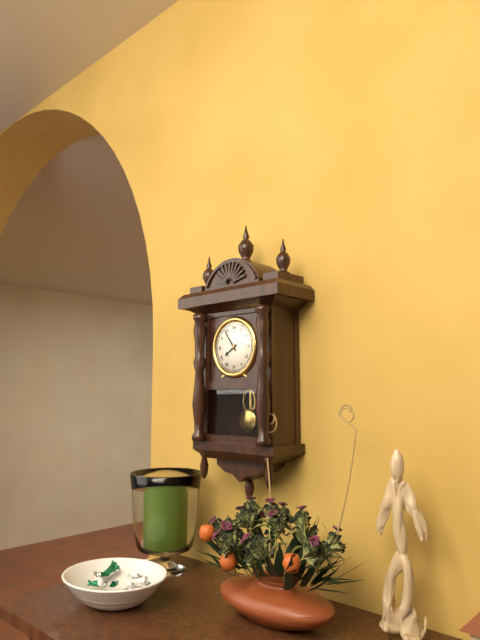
{"hour": 7, "minute": 54}
